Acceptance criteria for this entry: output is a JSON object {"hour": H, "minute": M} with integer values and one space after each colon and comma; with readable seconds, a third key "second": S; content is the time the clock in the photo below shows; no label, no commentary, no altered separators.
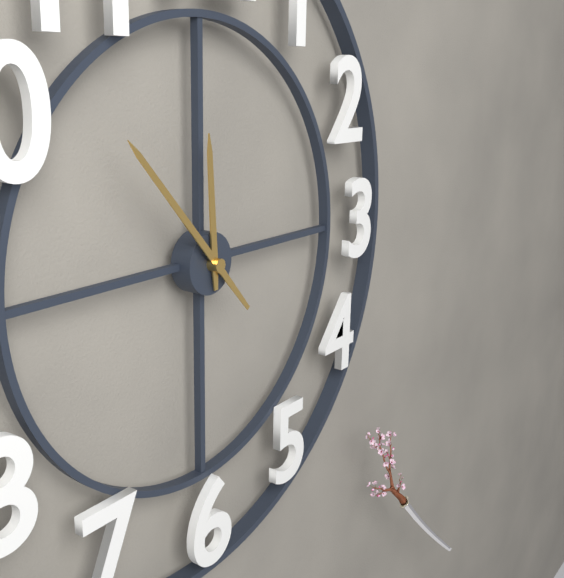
{"hour": 11, "minute": 53}
